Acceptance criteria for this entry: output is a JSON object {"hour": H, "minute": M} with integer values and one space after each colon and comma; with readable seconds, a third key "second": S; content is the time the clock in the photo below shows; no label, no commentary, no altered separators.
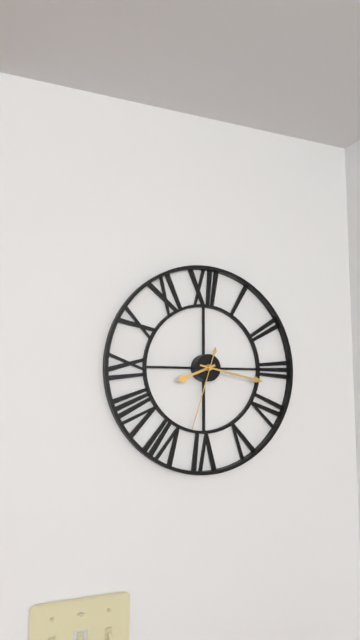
{"hour": 8, "minute": 17, "second": 33}
